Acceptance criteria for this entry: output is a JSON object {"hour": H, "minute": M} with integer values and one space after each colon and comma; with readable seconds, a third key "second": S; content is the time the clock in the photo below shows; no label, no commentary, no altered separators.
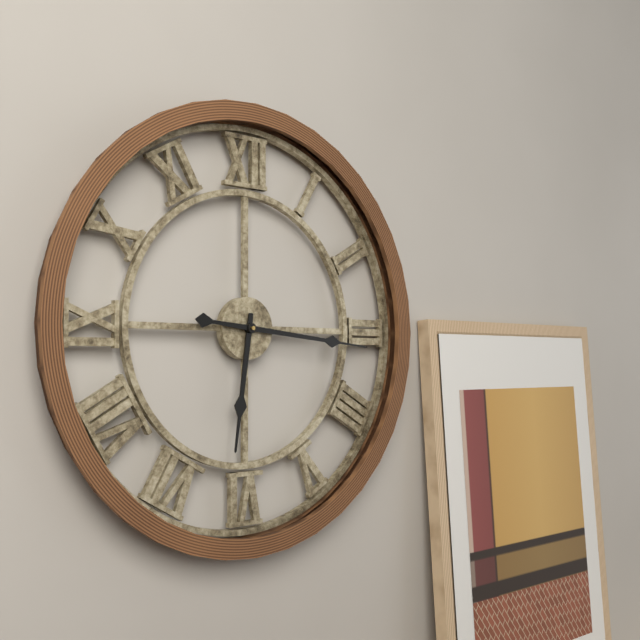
{"hour": 6, "minute": 16}
